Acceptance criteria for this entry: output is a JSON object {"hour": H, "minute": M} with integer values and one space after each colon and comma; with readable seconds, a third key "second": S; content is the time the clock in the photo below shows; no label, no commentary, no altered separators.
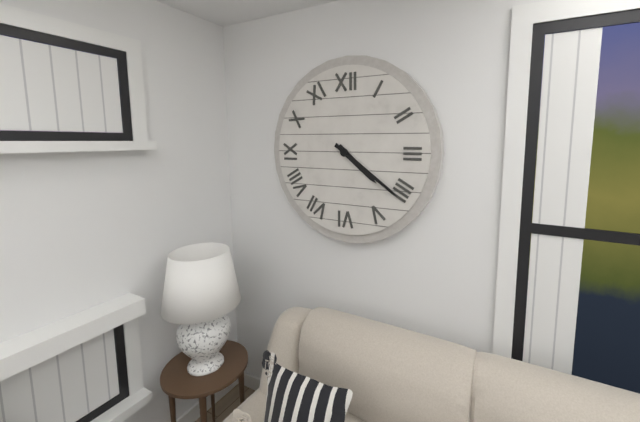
{"hour": 4, "minute": 21}
